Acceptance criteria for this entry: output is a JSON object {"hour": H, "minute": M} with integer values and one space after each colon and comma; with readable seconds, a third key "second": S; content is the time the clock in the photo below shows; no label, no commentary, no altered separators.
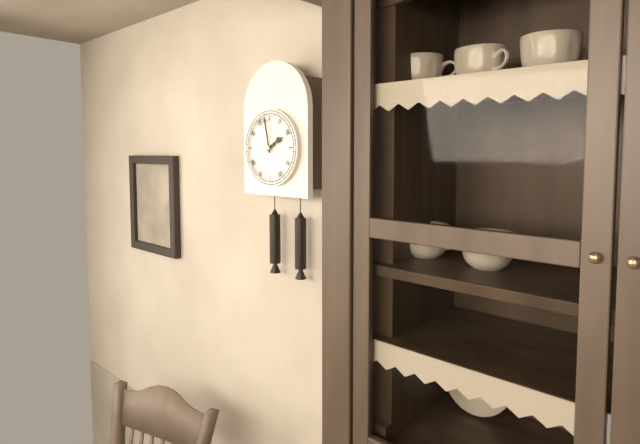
{"hour": 1, "minute": 58}
